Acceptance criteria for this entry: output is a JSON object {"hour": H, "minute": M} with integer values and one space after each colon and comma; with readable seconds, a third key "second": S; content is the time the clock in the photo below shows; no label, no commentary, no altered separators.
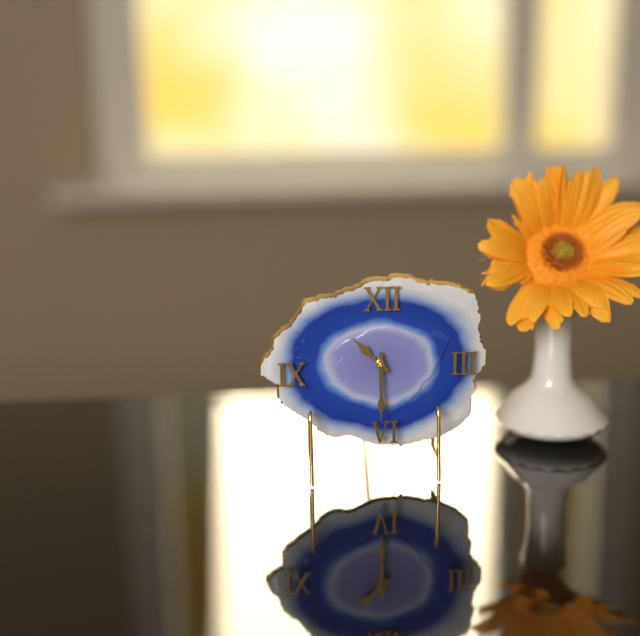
{"hour": 10, "minute": 30}
